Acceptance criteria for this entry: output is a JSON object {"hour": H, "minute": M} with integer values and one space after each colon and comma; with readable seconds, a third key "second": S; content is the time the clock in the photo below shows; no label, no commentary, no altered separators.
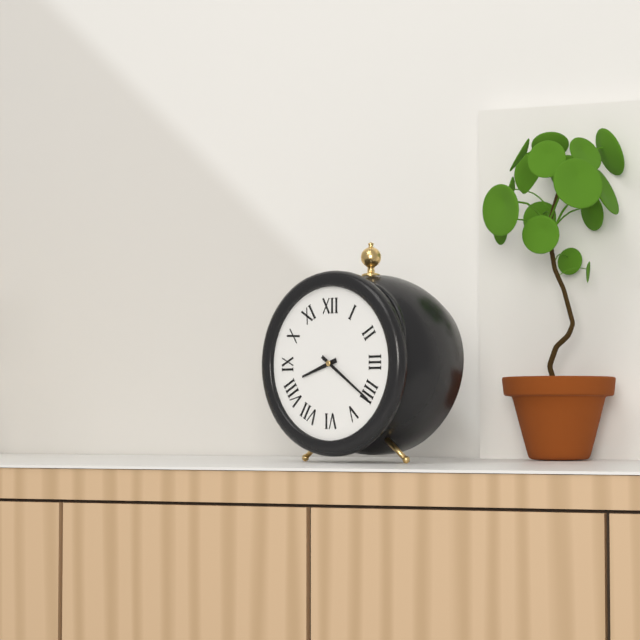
{"hour": 8, "minute": 21}
